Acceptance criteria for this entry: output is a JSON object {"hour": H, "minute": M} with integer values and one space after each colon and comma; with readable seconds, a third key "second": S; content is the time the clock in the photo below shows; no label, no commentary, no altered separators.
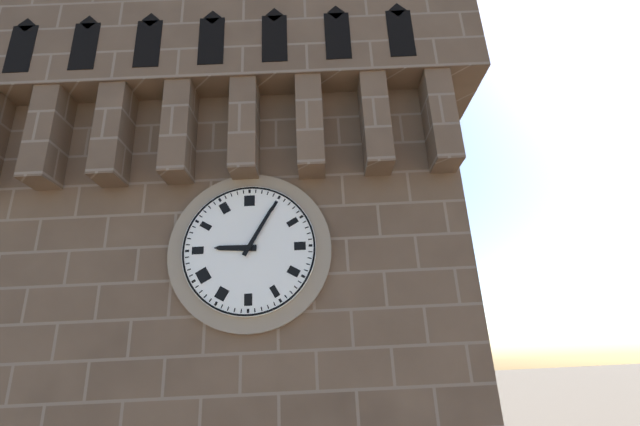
{"hour": 9, "minute": 5}
